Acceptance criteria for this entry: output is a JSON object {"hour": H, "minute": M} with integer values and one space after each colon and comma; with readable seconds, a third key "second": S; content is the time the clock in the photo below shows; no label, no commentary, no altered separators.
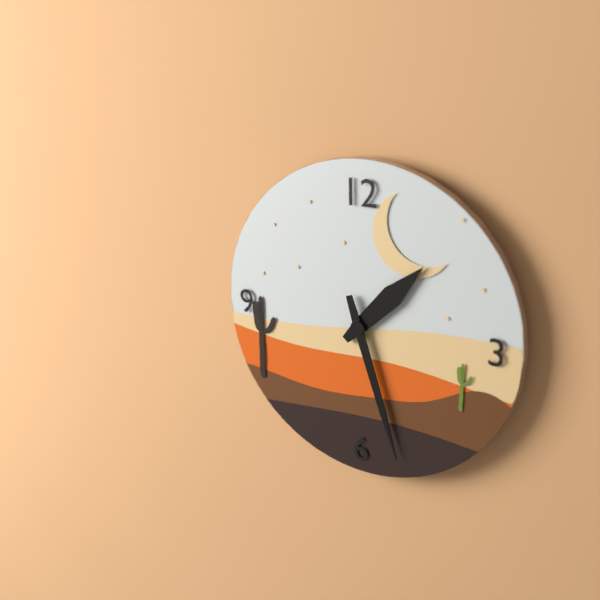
{"hour": 1, "minute": 27}
